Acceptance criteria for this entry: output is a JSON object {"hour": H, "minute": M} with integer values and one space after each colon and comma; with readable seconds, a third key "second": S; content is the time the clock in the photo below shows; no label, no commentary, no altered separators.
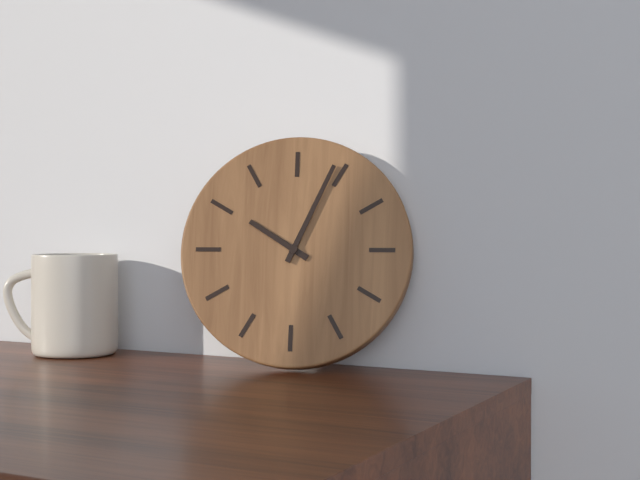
{"hour": 10, "minute": 4}
